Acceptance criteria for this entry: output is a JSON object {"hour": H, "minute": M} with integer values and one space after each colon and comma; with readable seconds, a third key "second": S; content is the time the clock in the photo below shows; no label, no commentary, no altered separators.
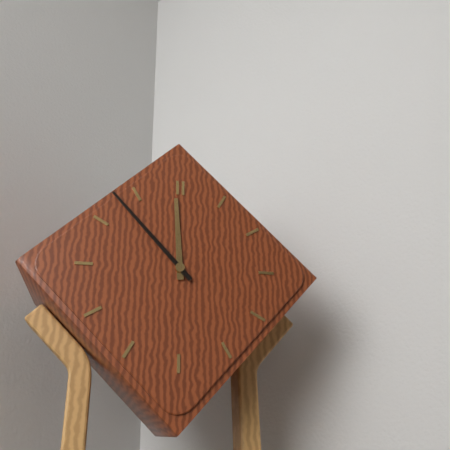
{"hour": 11, "minute": 53}
